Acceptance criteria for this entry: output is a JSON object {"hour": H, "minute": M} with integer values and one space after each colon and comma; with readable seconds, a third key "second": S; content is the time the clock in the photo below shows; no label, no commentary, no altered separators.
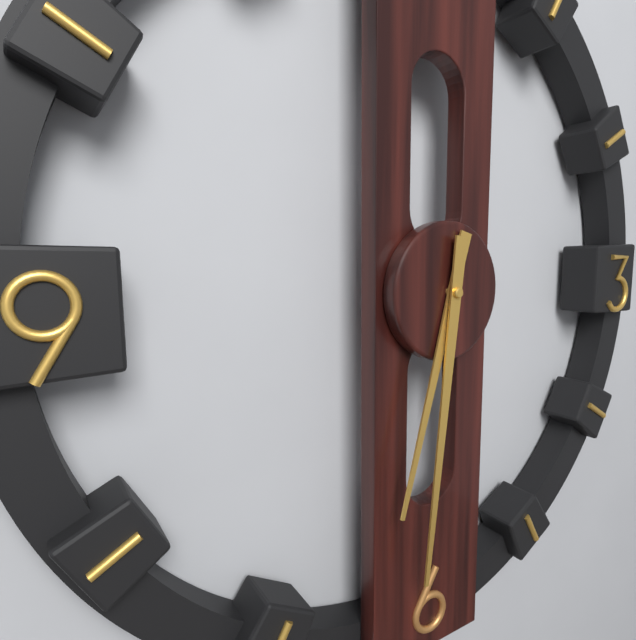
{"hour": 6, "minute": 31}
